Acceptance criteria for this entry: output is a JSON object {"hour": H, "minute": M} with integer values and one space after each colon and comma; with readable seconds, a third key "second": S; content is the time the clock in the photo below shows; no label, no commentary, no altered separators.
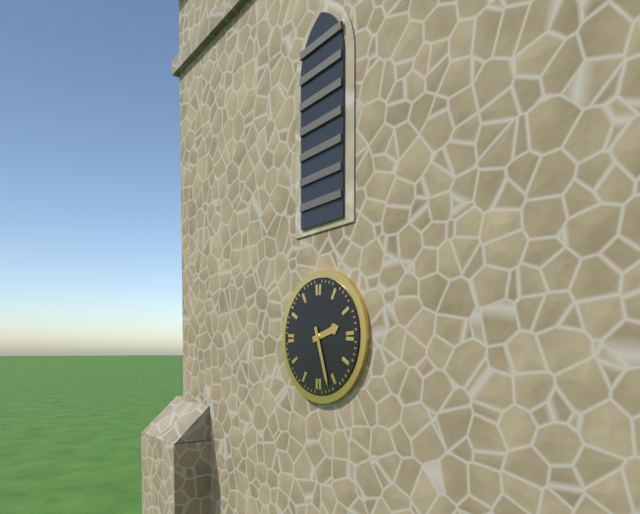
{"hour": 2, "minute": 27}
